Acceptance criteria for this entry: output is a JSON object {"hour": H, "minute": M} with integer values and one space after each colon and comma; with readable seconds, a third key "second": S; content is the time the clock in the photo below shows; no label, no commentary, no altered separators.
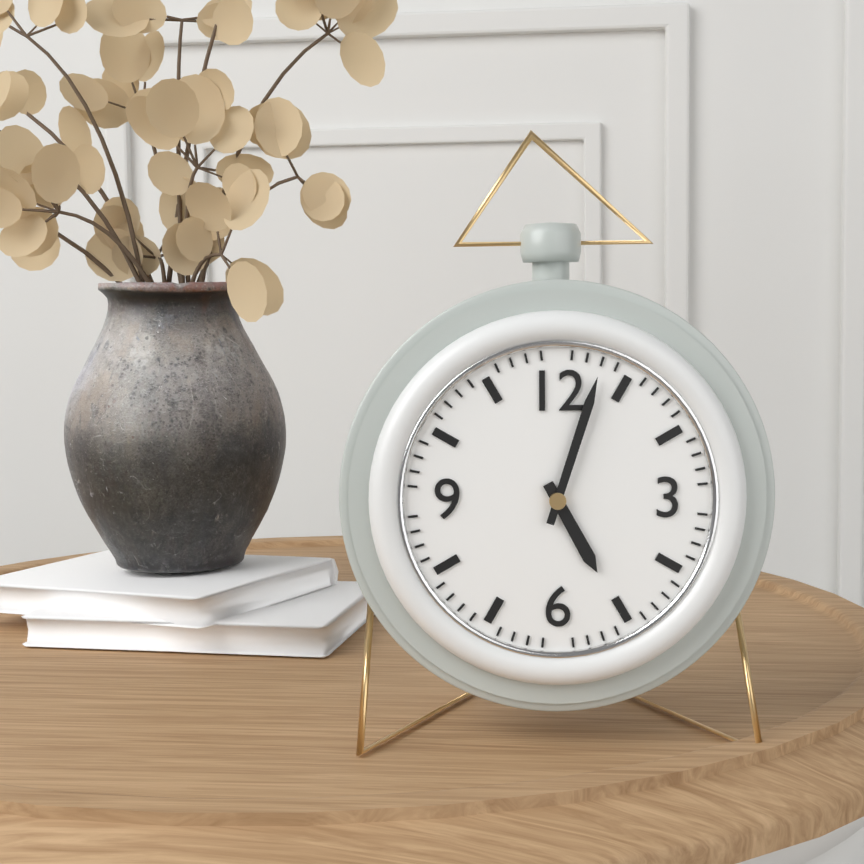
{"hour": 5, "minute": 3}
